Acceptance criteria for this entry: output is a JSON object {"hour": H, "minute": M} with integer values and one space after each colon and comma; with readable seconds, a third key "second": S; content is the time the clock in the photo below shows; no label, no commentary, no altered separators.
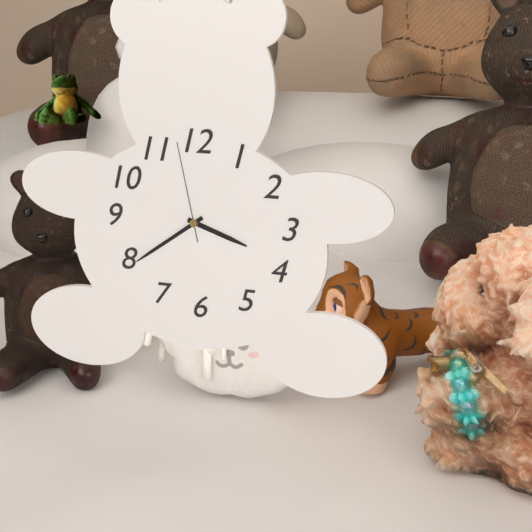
{"hour": 3, "minute": 39, "second": 58}
